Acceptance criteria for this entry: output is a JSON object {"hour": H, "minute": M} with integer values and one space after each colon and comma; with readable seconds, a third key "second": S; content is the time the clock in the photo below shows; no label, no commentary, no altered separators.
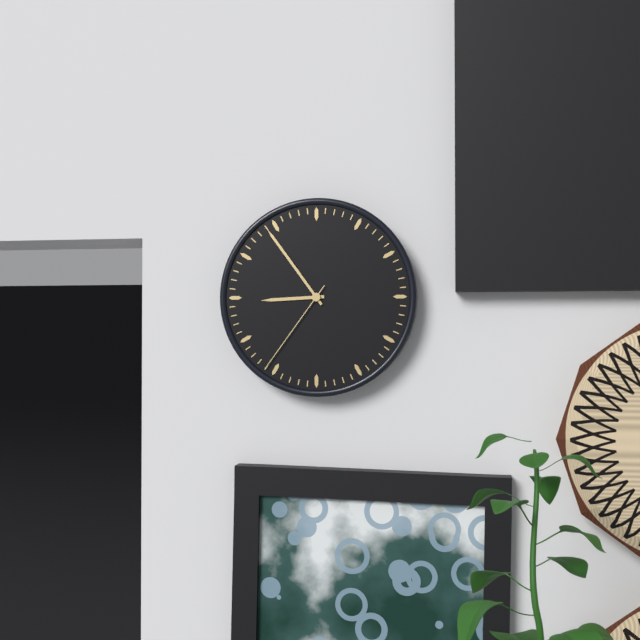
{"hour": 8, "minute": 54, "second": 36}
